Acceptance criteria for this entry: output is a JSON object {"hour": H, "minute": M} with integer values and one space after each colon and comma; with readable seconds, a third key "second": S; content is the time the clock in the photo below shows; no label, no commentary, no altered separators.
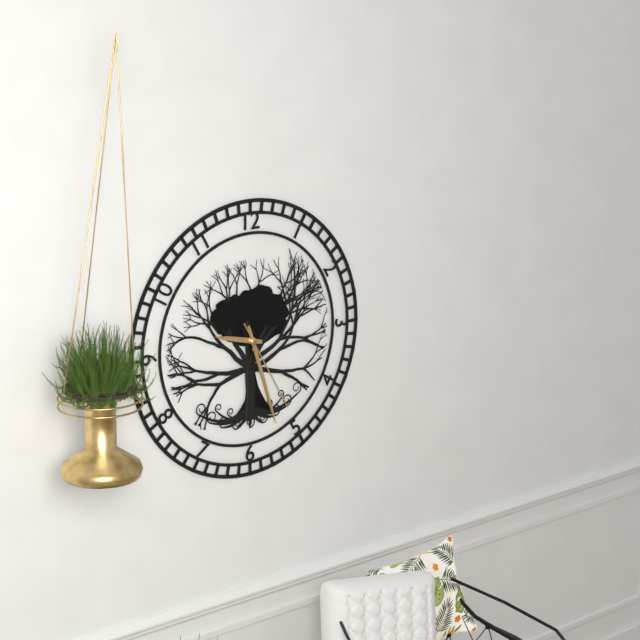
{"hour": 9, "minute": 27, "second": 25}
